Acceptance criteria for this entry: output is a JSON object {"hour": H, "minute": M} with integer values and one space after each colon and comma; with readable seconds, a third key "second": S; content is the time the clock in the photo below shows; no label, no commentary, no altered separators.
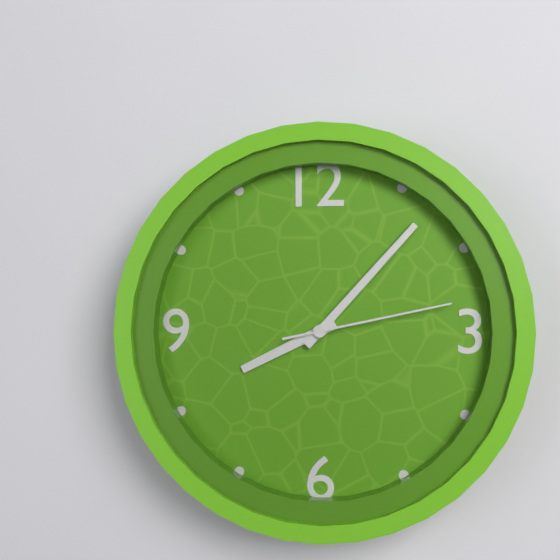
{"hour": 8, "minute": 7, "second": 13}
